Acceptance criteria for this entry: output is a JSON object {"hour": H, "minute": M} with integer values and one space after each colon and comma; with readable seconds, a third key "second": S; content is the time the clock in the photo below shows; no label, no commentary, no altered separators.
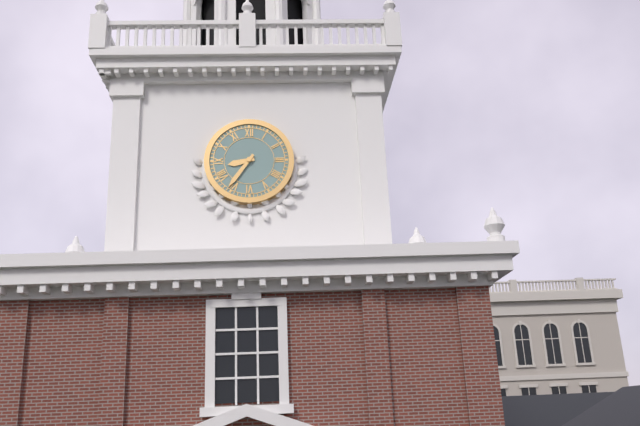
{"hour": 8, "minute": 36}
